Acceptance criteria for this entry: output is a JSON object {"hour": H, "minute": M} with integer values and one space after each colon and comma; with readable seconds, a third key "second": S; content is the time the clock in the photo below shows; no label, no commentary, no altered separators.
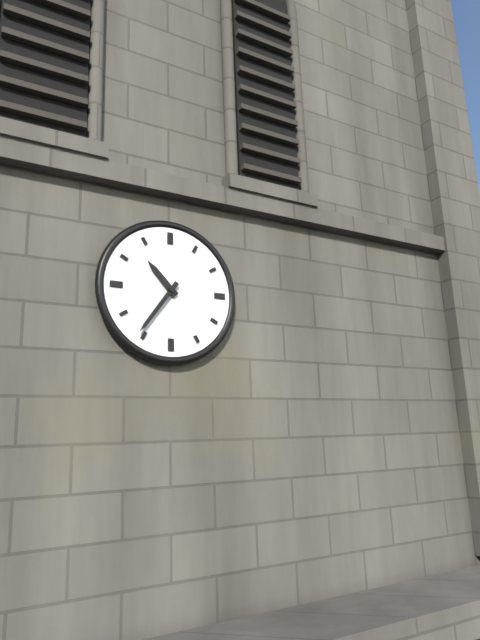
{"hour": 10, "minute": 36}
